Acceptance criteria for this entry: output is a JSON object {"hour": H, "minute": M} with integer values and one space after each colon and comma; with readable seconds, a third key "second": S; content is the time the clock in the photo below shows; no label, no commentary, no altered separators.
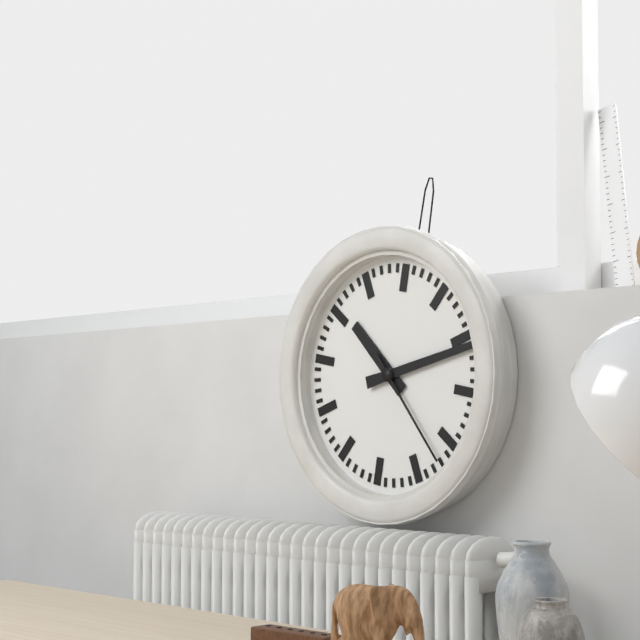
{"hour": 10, "minute": 11, "second": 22}
